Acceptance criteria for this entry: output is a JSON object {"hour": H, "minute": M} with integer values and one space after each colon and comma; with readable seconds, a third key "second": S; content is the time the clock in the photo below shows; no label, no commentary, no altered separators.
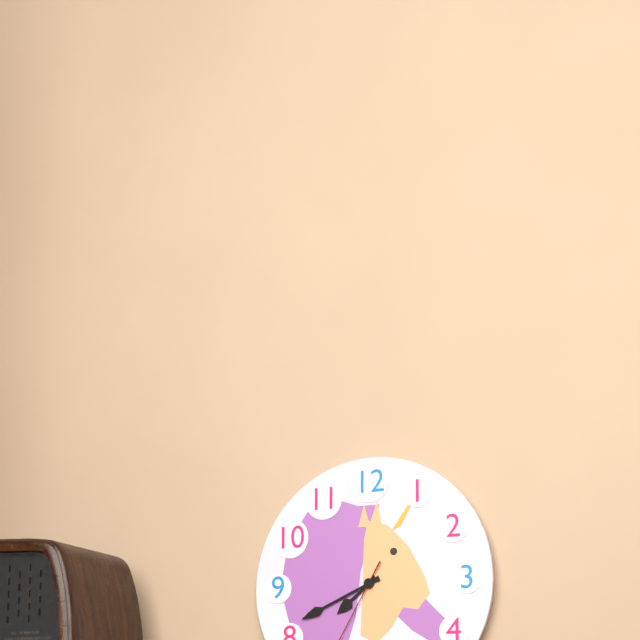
{"hour": 7, "minute": 41}
